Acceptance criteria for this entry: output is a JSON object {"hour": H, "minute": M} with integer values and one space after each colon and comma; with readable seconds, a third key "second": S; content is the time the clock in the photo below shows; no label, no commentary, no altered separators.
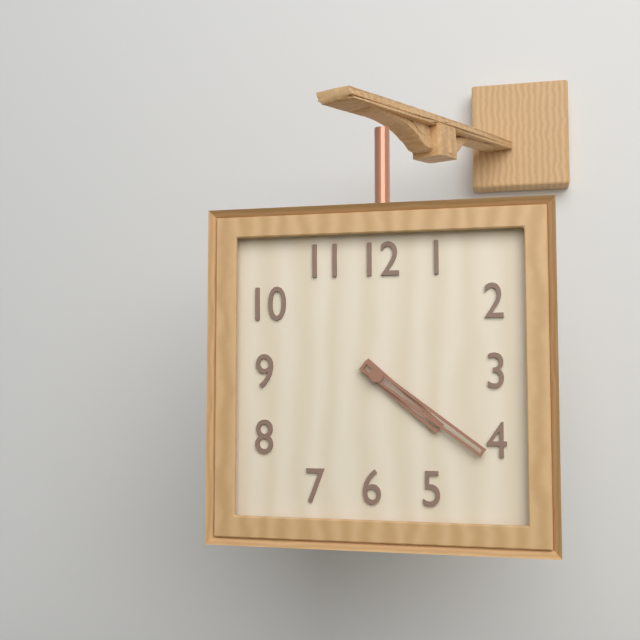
{"hour": 4, "minute": 21}
